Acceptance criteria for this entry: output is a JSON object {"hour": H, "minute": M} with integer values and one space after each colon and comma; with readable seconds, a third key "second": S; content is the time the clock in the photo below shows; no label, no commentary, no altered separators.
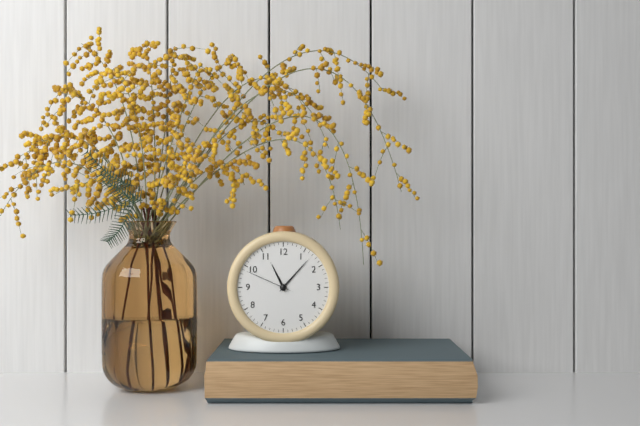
{"hour": 11, "minute": 7, "second": 49}
